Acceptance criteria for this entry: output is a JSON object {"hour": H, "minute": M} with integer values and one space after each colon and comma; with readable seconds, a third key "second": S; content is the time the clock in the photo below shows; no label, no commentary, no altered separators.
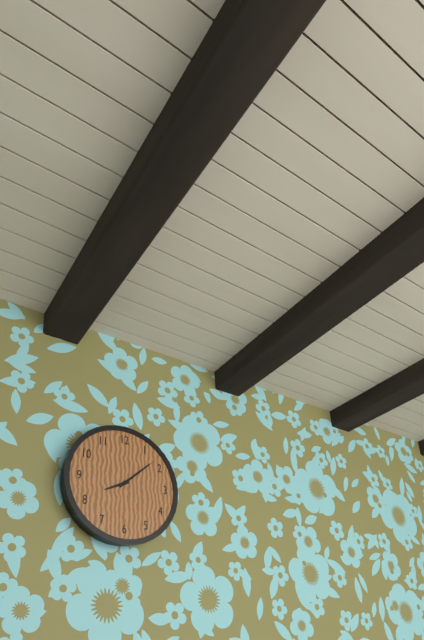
{"hour": 8, "minute": 8}
